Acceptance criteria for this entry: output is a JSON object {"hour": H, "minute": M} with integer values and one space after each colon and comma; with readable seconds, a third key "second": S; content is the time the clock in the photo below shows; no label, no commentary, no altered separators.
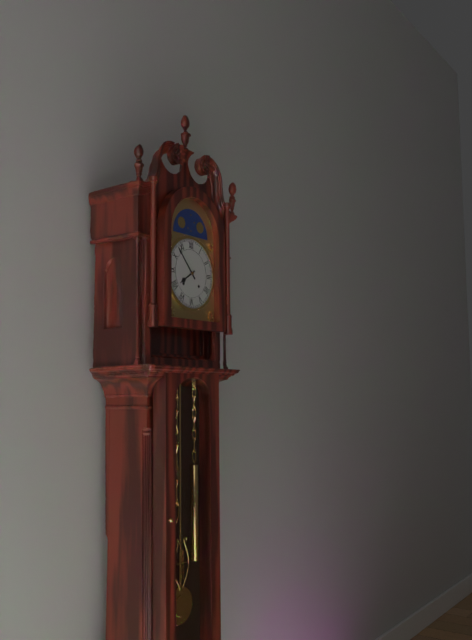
{"hour": 7, "minute": 53}
